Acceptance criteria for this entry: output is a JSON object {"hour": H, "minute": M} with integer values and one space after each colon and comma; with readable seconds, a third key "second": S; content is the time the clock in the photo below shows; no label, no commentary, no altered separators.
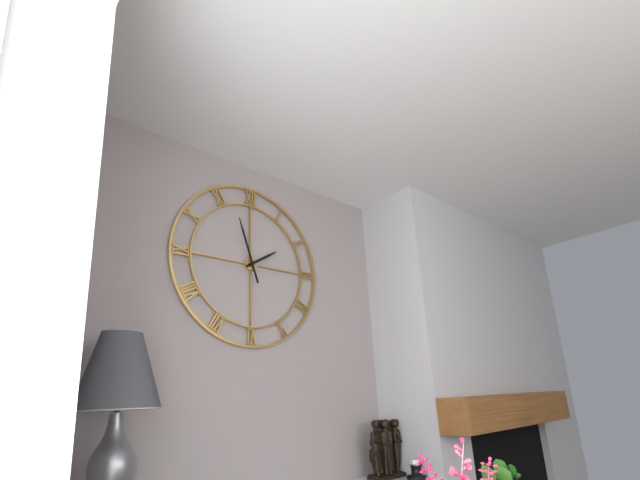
{"hour": 1, "minute": 57}
